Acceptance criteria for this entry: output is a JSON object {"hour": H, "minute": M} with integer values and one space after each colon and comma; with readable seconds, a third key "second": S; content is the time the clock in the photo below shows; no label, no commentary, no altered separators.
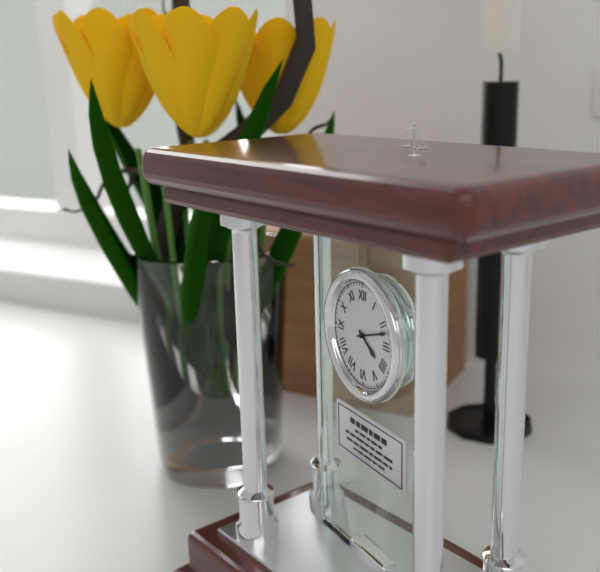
{"hour": 4, "minute": 12}
